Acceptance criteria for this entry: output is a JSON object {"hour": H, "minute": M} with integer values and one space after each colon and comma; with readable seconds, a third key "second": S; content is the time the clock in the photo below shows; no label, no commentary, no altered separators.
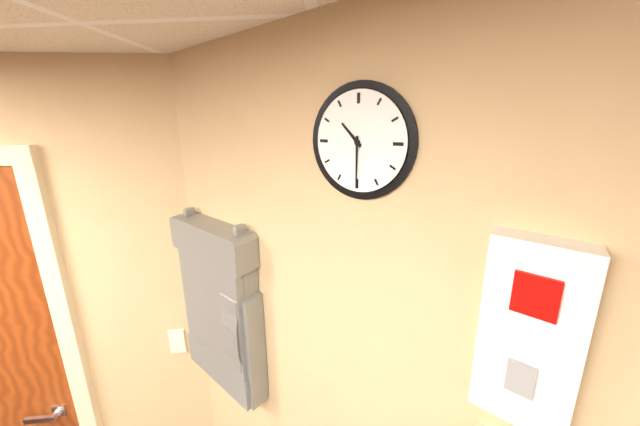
{"hour": 10, "minute": 30}
